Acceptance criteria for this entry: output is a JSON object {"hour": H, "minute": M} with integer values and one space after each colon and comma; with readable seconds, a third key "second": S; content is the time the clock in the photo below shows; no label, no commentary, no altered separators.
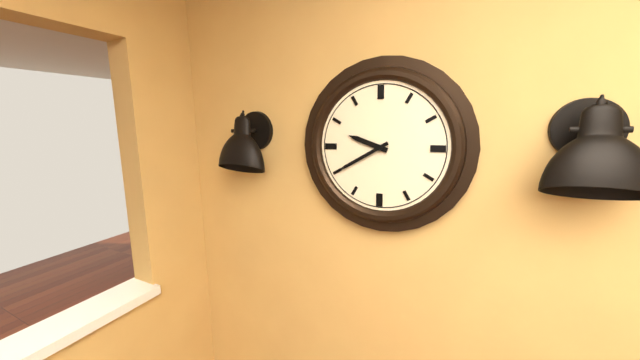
{"hour": 9, "minute": 40}
